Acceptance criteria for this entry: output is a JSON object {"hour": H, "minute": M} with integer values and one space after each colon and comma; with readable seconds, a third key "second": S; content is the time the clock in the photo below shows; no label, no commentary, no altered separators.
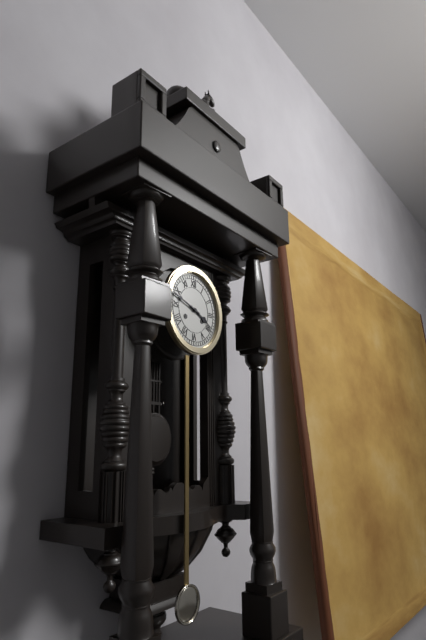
{"hour": 3, "minute": 48}
